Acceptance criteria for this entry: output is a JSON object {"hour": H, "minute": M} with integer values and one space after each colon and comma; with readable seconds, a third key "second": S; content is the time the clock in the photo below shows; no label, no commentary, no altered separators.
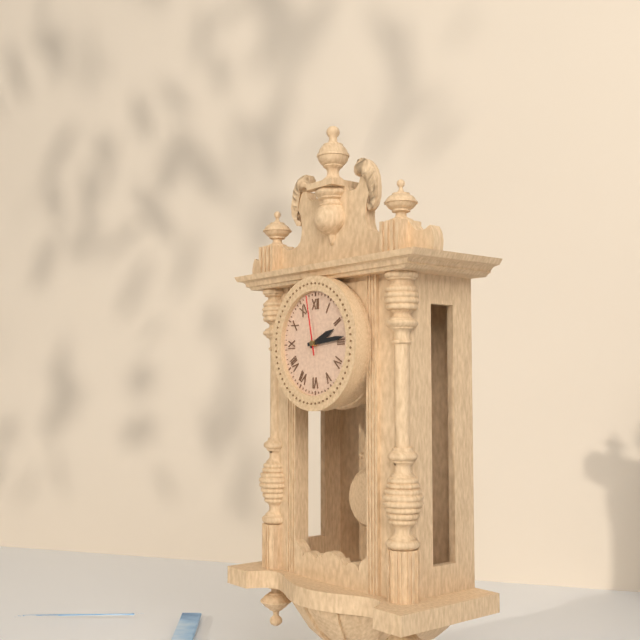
{"hour": 2, "minute": 14, "second": 58}
